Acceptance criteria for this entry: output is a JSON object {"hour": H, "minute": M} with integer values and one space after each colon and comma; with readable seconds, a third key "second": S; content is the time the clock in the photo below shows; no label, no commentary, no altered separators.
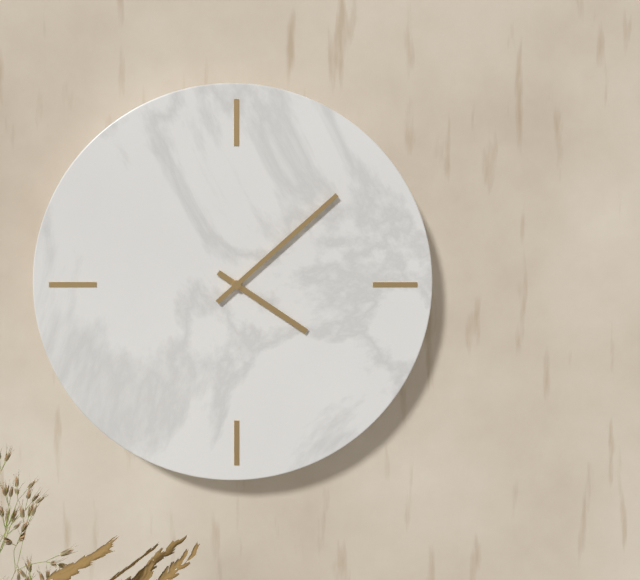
{"hour": 4, "minute": 8}
